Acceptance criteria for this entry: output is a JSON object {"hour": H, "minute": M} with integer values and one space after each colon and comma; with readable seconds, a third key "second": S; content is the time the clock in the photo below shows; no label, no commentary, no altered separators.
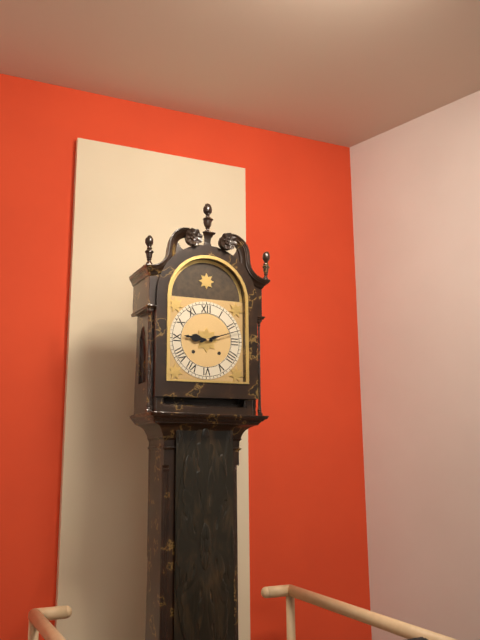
{"hour": 9, "minute": 12}
